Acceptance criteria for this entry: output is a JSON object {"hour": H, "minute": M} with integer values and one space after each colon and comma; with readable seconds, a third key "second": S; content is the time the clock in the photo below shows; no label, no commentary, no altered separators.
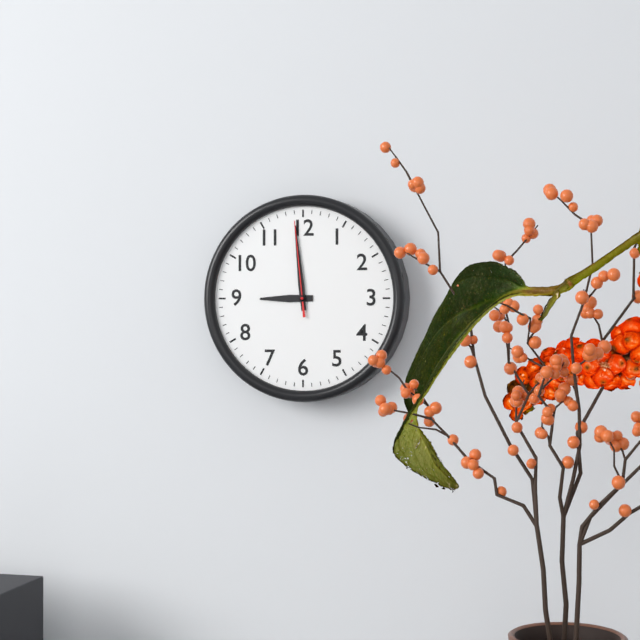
{"hour": 8, "minute": 59, "second": 59}
